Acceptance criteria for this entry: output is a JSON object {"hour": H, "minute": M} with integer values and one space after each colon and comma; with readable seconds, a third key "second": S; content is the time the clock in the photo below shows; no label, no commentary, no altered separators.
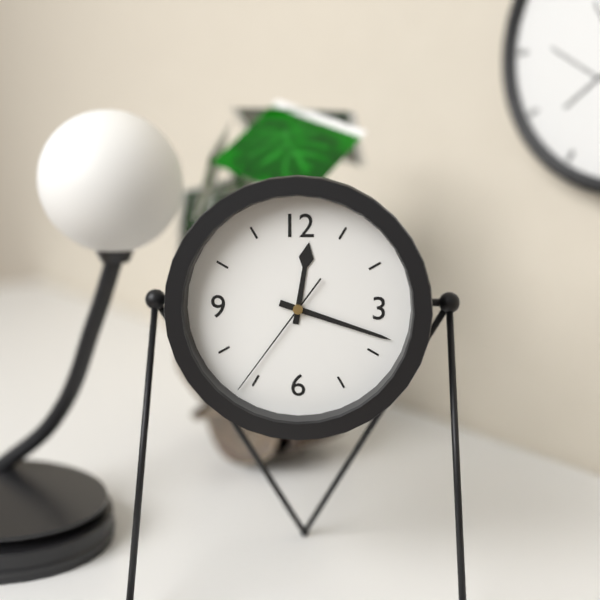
{"hour": 12, "minute": 18, "second": 36}
